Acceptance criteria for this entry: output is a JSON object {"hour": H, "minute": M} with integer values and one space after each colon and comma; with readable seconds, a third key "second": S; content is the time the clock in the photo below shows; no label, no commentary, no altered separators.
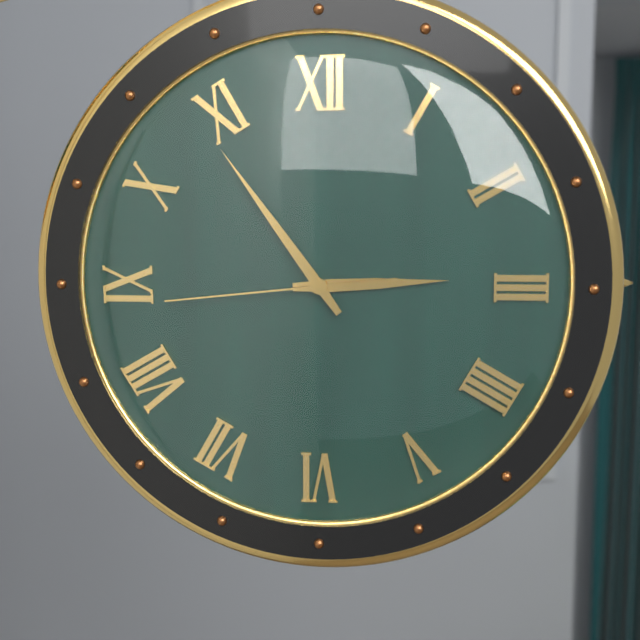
{"hour": 2, "minute": 54, "second": 44}
